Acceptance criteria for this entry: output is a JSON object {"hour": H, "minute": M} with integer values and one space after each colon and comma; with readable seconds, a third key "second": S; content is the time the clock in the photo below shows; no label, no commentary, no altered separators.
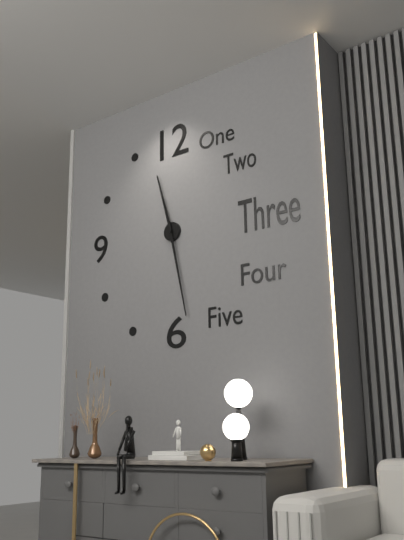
{"hour": 11, "minute": 28}
